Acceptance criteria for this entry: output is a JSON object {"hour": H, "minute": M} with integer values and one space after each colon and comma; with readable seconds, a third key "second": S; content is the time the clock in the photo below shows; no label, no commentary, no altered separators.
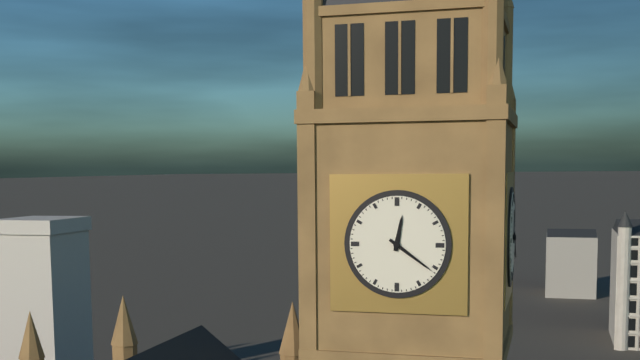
{"hour": 12, "minute": 21}
